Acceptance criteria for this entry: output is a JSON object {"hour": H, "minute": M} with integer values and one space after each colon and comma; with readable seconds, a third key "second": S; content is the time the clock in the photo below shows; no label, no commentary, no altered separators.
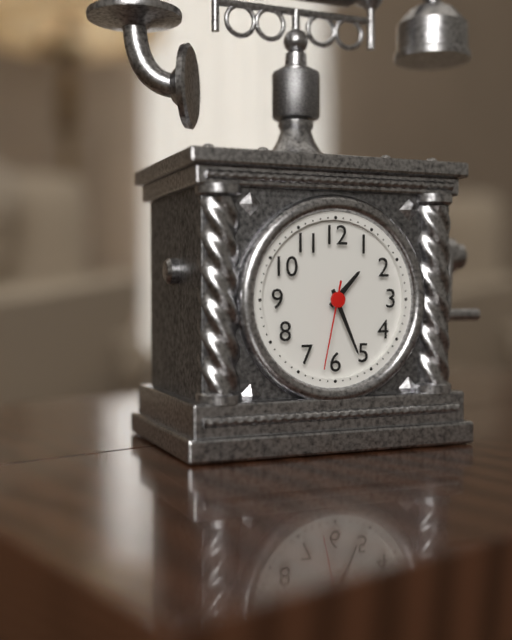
{"hour": 1, "minute": 26, "second": 32}
